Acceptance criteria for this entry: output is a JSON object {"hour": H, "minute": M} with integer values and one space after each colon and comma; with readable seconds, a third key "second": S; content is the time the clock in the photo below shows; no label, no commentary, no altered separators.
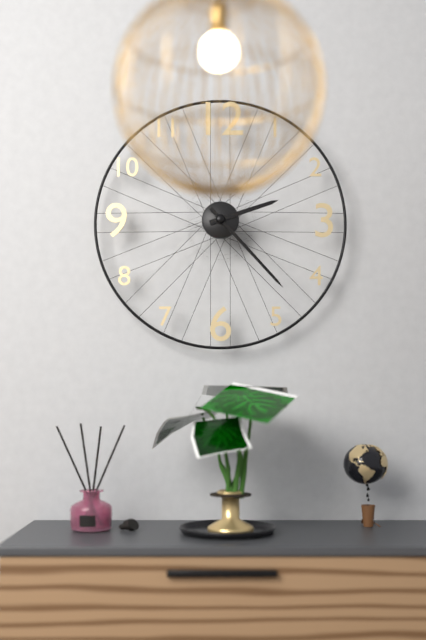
{"hour": 2, "minute": 23}
